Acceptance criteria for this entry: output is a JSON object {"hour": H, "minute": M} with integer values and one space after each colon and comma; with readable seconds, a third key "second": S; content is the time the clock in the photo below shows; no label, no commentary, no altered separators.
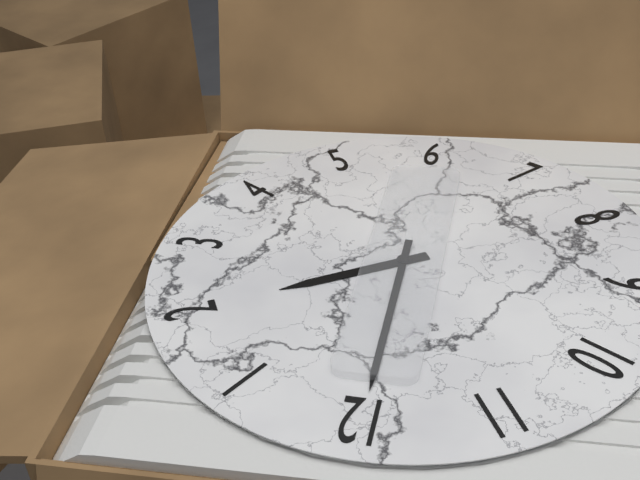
{"hour": 2, "minute": 0}
